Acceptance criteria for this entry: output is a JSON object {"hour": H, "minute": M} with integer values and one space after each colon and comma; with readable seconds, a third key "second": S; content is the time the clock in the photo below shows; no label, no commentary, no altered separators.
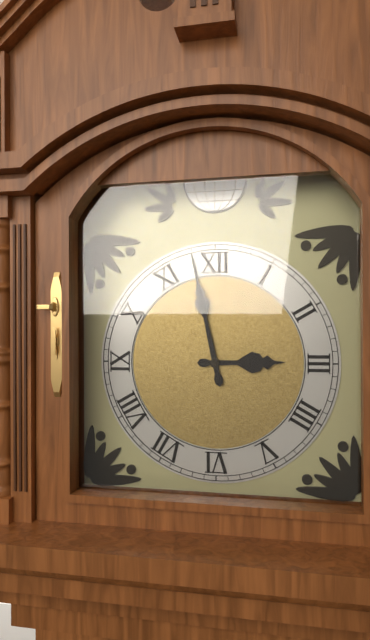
{"hour": 2, "minute": 58}
